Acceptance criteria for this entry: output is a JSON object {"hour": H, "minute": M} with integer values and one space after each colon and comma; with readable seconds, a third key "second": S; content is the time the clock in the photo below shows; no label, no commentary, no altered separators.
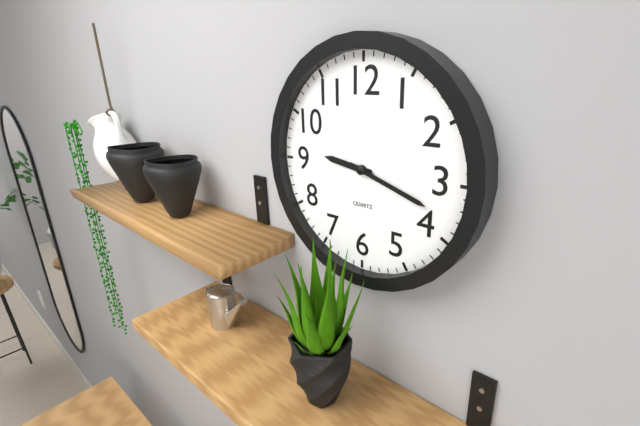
{"hour": 9, "minute": 18}
